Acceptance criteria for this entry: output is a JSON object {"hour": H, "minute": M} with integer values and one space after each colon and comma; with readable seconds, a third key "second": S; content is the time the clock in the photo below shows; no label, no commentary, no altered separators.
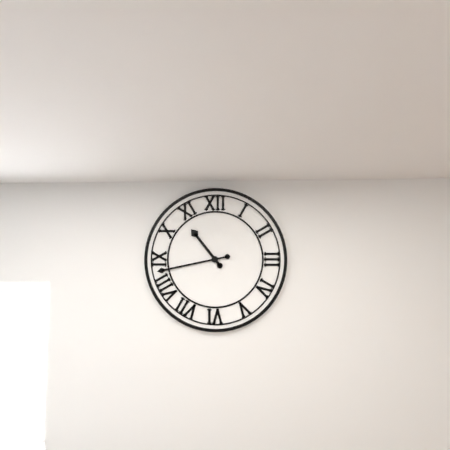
{"hour": 10, "minute": 43}
